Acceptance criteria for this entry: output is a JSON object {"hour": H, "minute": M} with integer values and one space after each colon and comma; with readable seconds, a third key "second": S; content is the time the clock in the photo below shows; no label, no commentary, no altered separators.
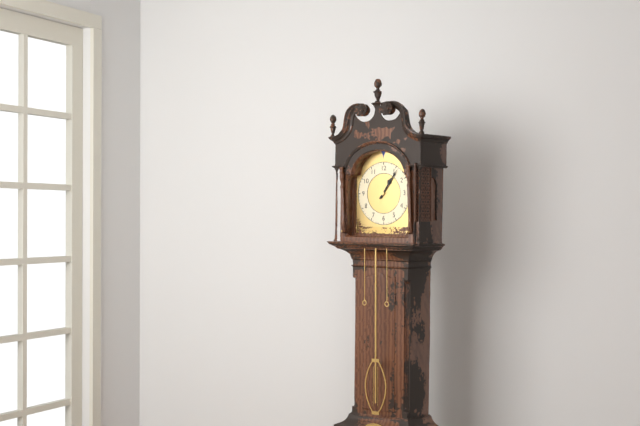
{"hour": 1, "minute": 6}
